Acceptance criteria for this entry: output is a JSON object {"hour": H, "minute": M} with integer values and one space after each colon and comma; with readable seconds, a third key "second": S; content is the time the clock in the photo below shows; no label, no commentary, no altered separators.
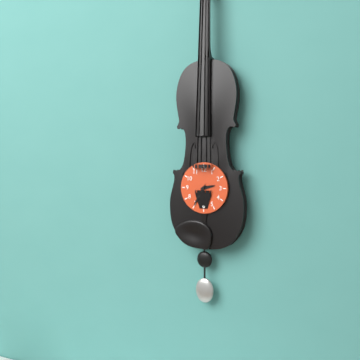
{"hour": 2, "minute": 35}
